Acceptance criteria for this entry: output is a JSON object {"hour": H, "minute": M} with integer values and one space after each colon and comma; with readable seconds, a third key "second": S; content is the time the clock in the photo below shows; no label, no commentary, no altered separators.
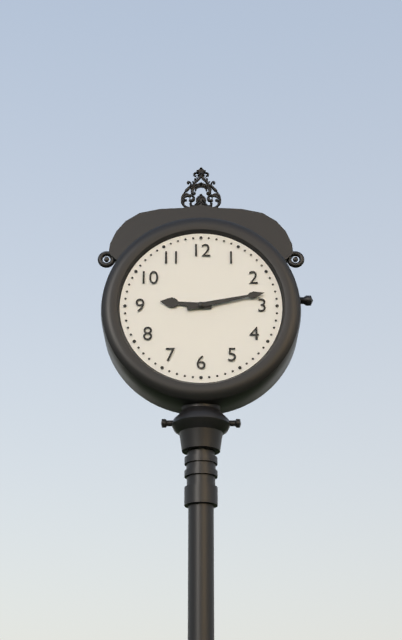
{"hour": 9, "minute": 13}
